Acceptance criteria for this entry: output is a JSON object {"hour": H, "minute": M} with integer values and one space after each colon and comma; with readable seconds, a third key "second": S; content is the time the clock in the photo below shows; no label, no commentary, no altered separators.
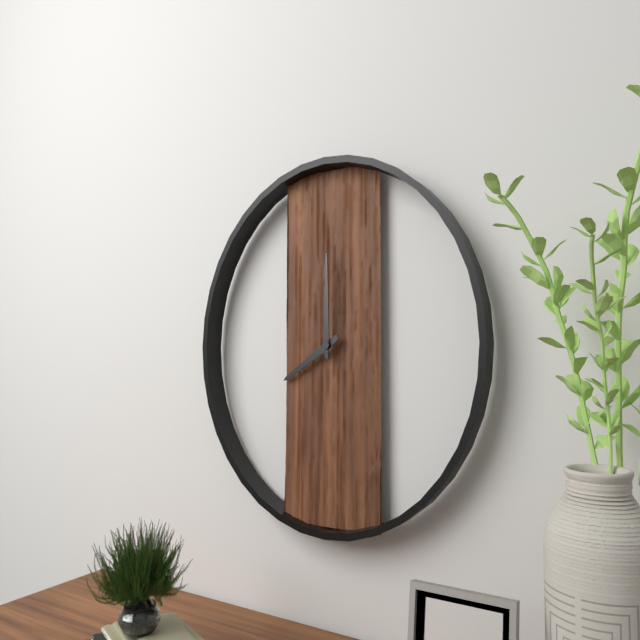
{"hour": 8, "minute": 0}
